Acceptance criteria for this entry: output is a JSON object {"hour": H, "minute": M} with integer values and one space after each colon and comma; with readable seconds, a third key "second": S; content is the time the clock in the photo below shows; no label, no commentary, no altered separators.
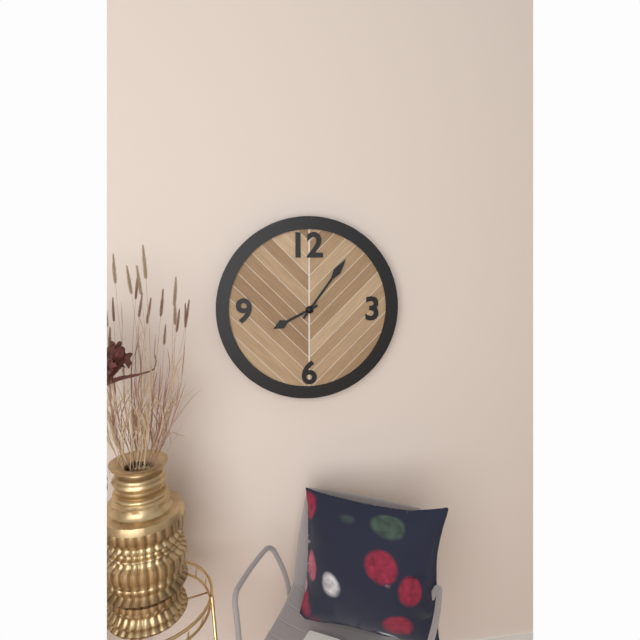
{"hour": 8, "minute": 6}
